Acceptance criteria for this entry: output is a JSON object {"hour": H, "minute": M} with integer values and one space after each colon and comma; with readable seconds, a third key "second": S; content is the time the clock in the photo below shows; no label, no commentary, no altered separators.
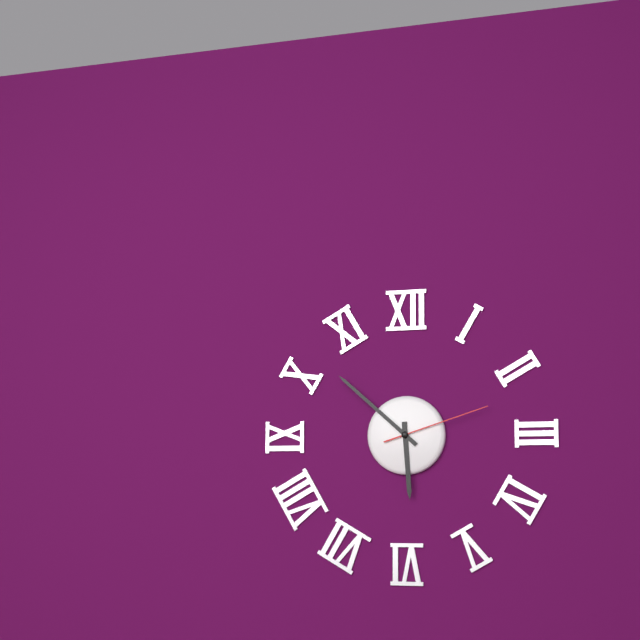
{"hour": 5, "minute": 52, "second": 12}
